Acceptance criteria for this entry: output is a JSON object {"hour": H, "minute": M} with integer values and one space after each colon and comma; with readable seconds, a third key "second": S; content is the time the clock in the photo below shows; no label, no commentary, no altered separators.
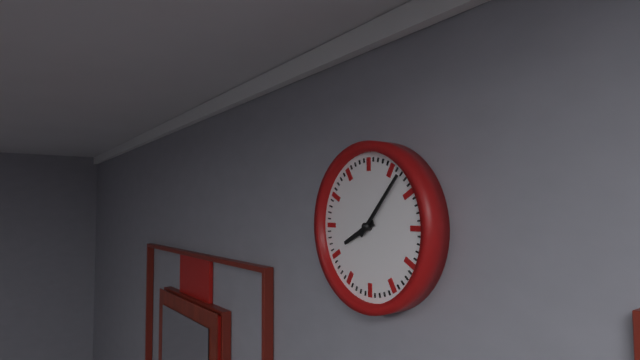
{"hour": 8, "minute": 7}
